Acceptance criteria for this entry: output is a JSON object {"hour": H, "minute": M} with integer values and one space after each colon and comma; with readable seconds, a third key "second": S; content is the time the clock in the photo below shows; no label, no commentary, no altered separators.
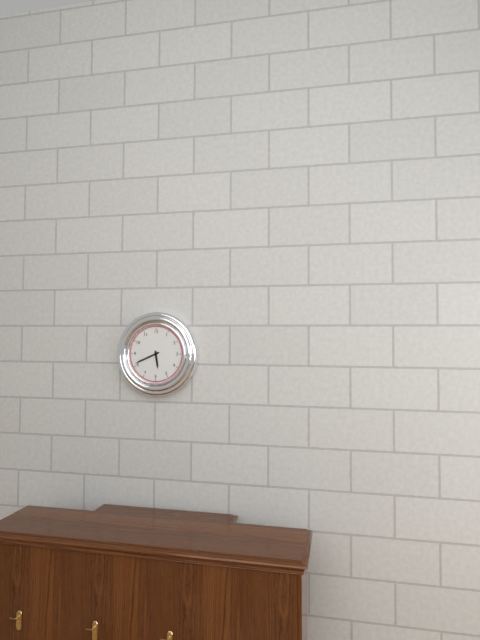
{"hour": 5, "minute": 41}
